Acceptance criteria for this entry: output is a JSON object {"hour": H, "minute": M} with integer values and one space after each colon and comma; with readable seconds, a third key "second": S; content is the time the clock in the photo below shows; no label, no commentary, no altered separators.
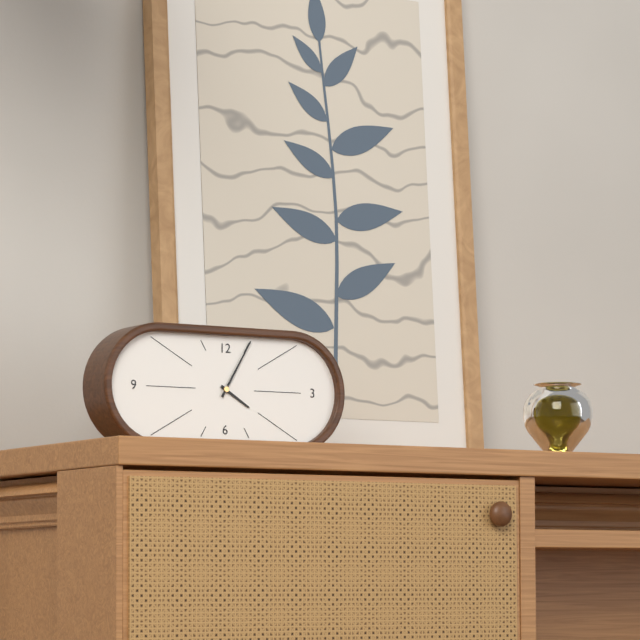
{"hour": 4, "minute": 5}
